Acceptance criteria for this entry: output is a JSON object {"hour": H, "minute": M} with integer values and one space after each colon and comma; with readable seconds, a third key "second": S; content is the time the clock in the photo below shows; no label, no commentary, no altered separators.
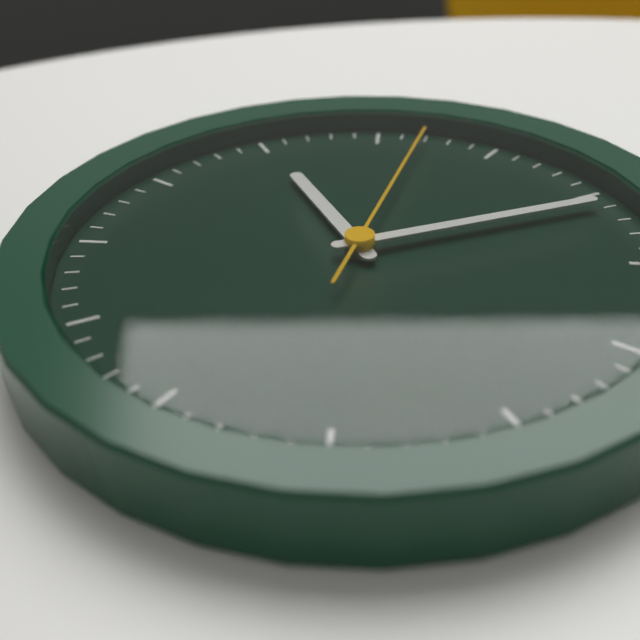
{"hour": 9, "minute": 1, "second": 52}
